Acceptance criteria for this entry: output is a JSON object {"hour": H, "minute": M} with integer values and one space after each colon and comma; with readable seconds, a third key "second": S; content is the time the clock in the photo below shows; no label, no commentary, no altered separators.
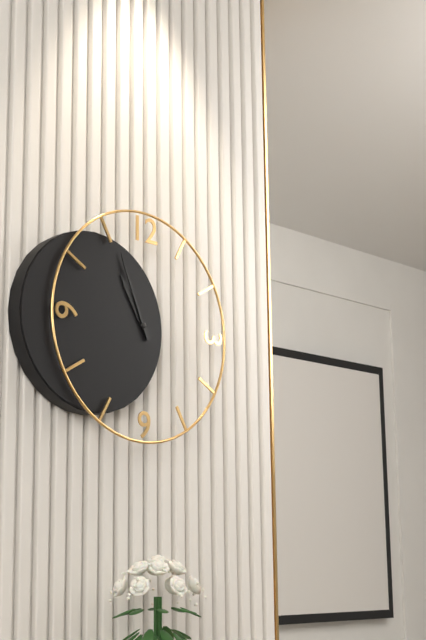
{"hour": 10, "minute": 56}
